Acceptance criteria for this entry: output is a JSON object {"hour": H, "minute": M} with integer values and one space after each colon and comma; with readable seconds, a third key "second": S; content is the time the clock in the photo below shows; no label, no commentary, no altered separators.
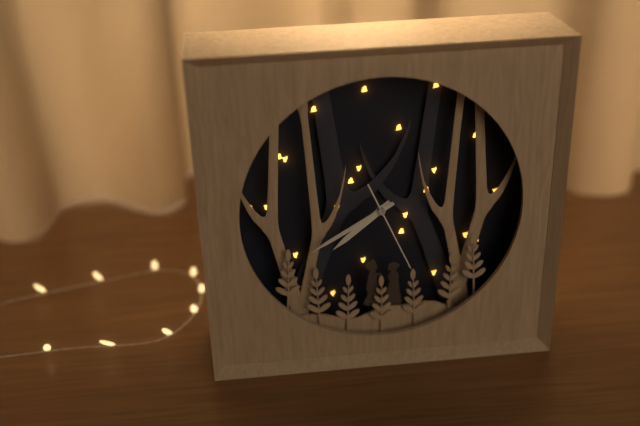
{"hour": 7, "minute": 40, "second": 26}
